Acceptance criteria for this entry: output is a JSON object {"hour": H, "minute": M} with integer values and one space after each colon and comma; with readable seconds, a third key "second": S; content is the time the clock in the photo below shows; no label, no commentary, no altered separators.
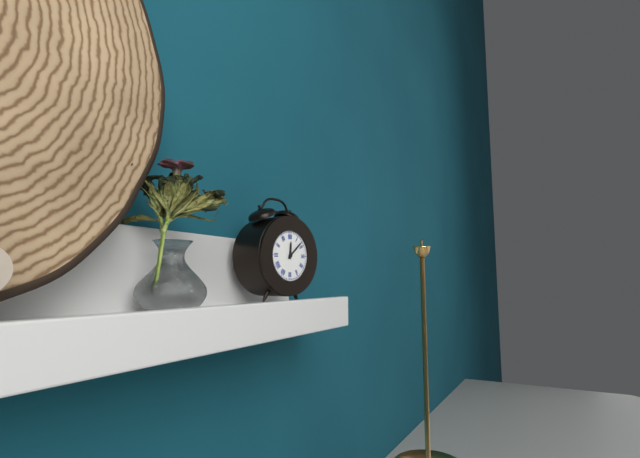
{"hour": 12, "minute": 8}
